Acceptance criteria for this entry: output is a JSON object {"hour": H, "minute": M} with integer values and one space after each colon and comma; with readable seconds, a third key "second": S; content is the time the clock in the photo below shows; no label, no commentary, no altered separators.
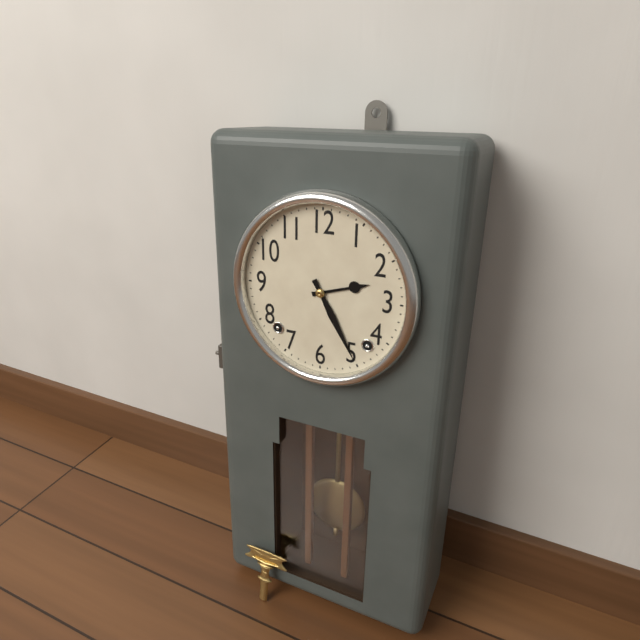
{"hour": 2, "minute": 25}
